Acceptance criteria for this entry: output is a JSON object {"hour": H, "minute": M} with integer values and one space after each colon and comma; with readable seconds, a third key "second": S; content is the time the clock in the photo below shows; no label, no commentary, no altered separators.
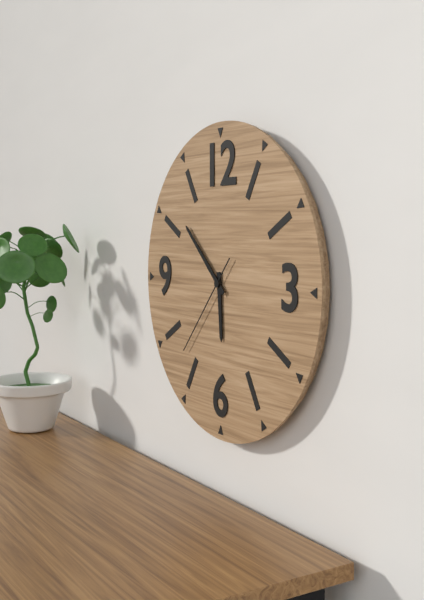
{"hour": 5, "minute": 52, "second": 37}
